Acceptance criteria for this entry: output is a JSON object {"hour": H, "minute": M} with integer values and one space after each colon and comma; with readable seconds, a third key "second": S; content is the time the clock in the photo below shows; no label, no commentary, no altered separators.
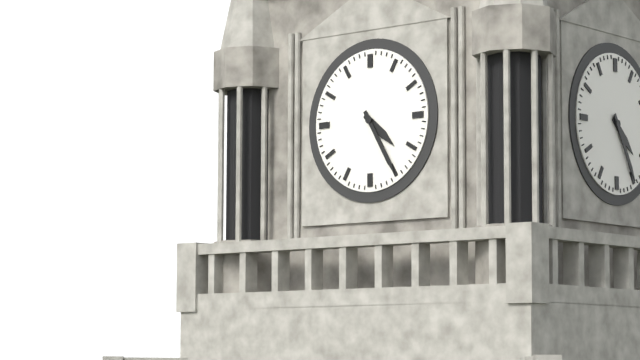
{"hour": 4, "minute": 25}
